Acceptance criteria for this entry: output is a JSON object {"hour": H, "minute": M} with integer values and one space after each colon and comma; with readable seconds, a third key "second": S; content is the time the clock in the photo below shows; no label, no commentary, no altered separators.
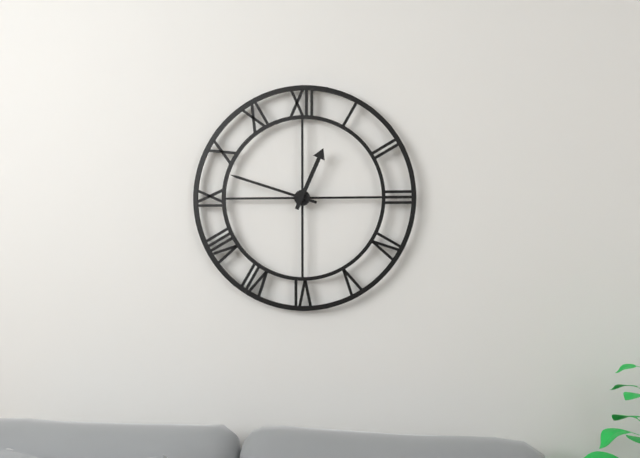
{"hour": 12, "minute": 48}
